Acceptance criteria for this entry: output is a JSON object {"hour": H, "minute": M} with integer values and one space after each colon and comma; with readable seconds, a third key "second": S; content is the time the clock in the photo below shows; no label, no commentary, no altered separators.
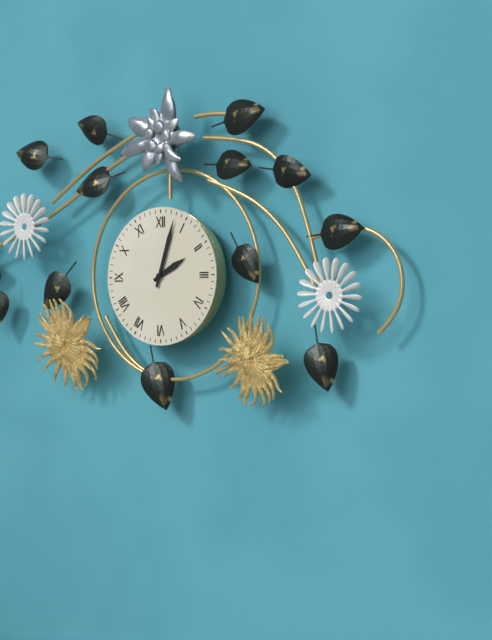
{"hour": 2, "minute": 3}
